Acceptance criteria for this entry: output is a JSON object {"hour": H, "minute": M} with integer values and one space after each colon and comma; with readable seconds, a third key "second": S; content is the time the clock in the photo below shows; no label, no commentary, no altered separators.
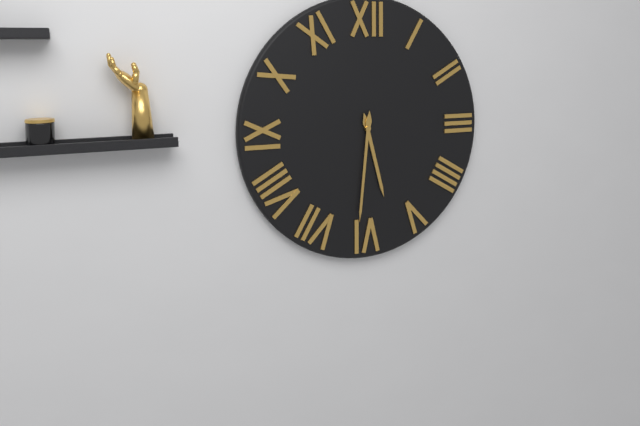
{"hour": 5, "minute": 31}
